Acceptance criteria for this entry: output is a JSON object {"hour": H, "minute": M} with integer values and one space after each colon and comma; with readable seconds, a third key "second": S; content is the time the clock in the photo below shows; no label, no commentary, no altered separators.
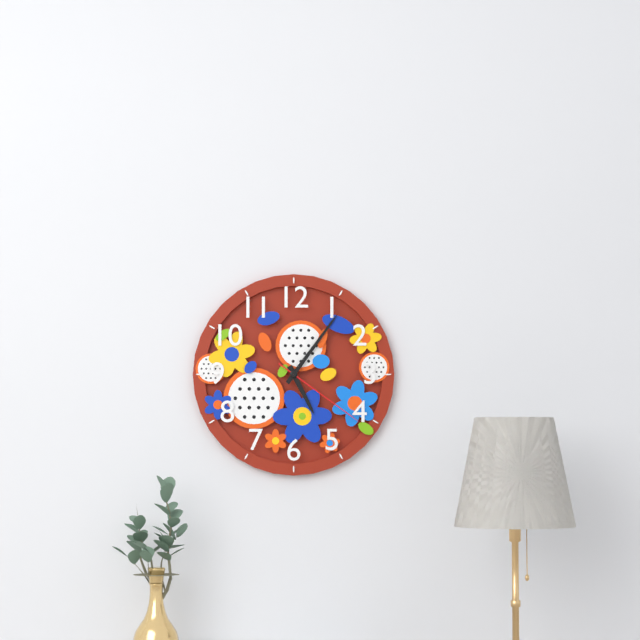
{"hour": 5, "minute": 6, "second": 21}
